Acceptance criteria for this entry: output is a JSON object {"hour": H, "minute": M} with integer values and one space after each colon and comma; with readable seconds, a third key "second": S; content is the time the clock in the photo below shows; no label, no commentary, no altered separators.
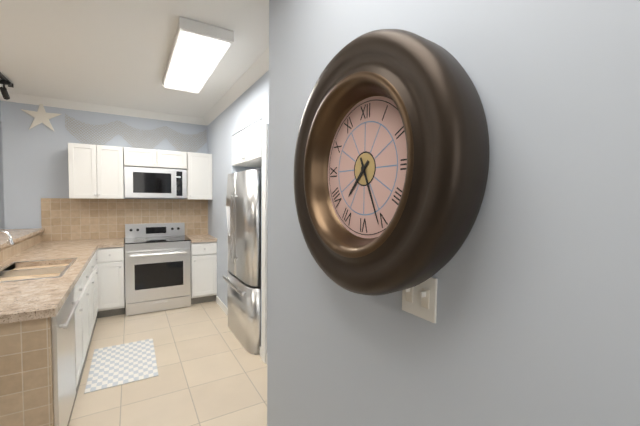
{"hour": 7, "minute": 26}
